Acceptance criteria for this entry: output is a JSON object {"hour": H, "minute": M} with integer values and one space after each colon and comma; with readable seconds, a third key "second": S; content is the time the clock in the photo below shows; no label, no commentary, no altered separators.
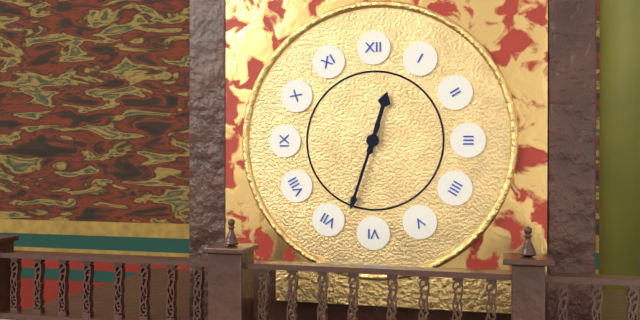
{"hour": 12, "minute": 33}
